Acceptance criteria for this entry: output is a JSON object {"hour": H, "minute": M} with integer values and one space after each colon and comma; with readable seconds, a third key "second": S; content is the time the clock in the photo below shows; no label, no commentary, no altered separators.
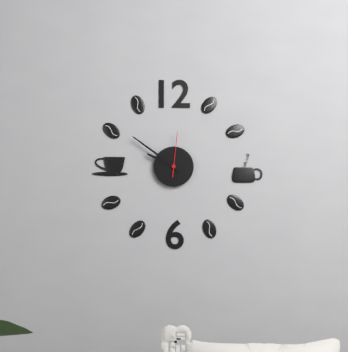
{"hour": 9, "minute": 51}
